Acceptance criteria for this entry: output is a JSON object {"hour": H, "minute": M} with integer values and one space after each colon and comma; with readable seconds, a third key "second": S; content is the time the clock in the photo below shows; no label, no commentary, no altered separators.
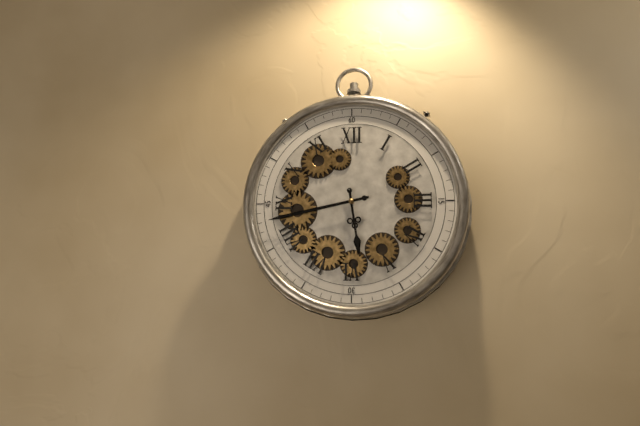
{"hour": 5, "minute": 43}
